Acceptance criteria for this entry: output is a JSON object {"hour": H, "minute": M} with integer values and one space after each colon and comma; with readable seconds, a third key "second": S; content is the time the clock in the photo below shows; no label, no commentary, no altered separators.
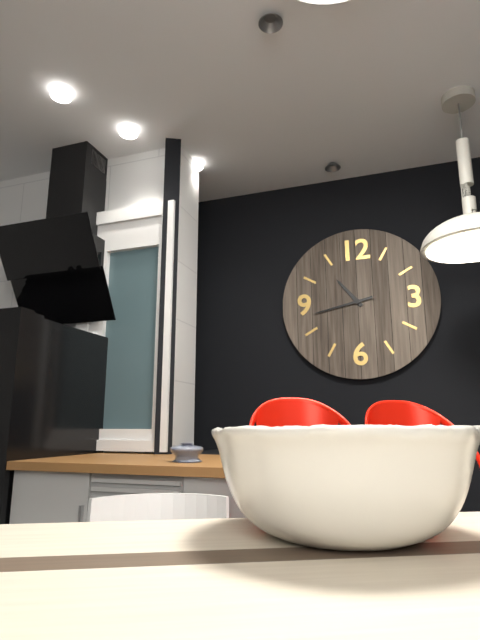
{"hour": 10, "minute": 43}
